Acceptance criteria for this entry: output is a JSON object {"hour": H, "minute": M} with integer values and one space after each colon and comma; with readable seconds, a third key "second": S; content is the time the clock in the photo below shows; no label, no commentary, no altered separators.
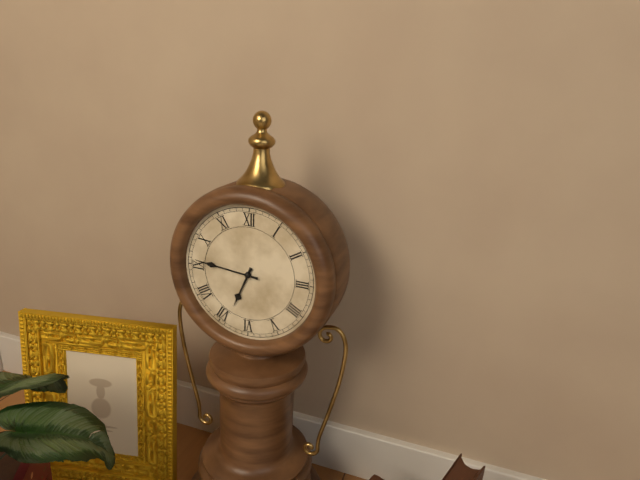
{"hour": 6, "minute": 46}
